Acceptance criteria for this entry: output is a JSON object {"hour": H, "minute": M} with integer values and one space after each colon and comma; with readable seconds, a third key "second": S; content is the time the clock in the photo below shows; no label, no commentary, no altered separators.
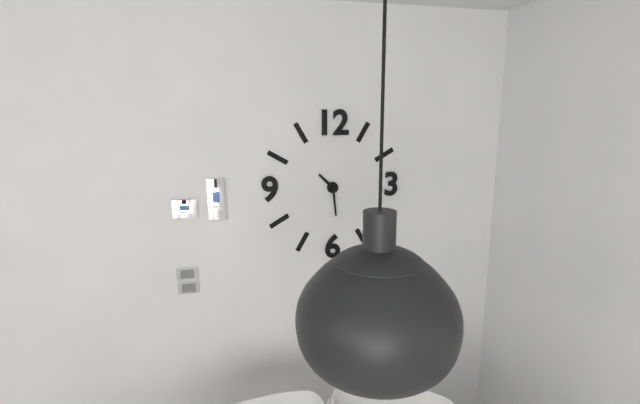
{"hour": 10, "minute": 29}
